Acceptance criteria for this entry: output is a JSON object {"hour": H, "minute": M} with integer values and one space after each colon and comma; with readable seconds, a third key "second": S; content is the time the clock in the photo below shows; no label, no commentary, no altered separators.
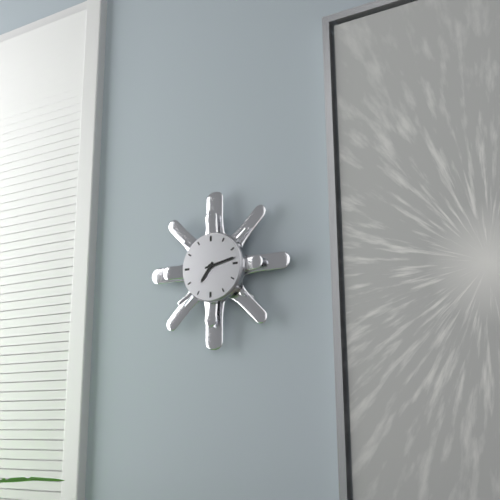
{"hour": 7, "minute": 13}
